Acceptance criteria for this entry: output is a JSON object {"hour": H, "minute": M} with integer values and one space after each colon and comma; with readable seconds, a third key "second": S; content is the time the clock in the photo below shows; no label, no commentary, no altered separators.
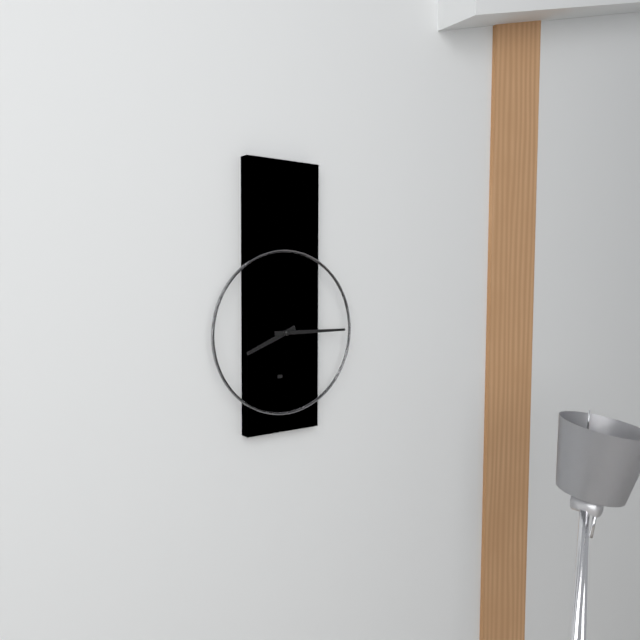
{"hour": 8, "minute": 15}
